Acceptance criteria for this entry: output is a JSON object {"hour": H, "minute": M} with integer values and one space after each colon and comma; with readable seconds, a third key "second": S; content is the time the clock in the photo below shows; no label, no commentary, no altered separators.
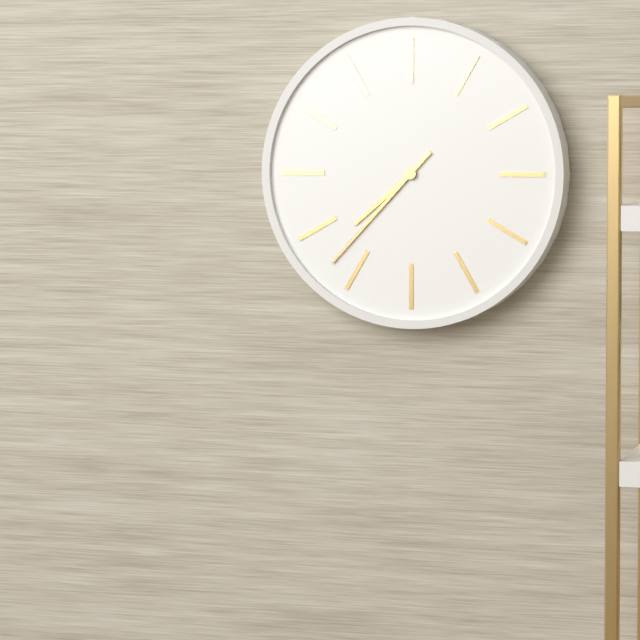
{"hour": 7, "minute": 37}
